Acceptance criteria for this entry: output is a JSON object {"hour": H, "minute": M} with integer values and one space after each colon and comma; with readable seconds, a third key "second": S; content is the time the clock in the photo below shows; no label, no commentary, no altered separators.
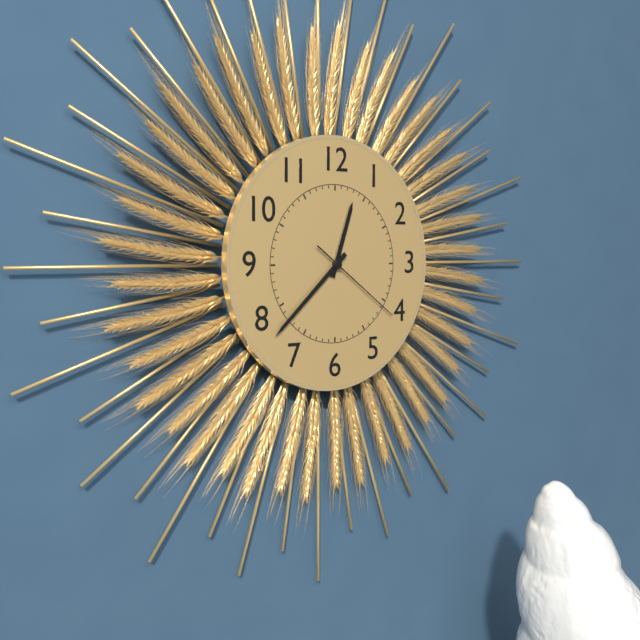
{"hour": 12, "minute": 38, "second": 21}
